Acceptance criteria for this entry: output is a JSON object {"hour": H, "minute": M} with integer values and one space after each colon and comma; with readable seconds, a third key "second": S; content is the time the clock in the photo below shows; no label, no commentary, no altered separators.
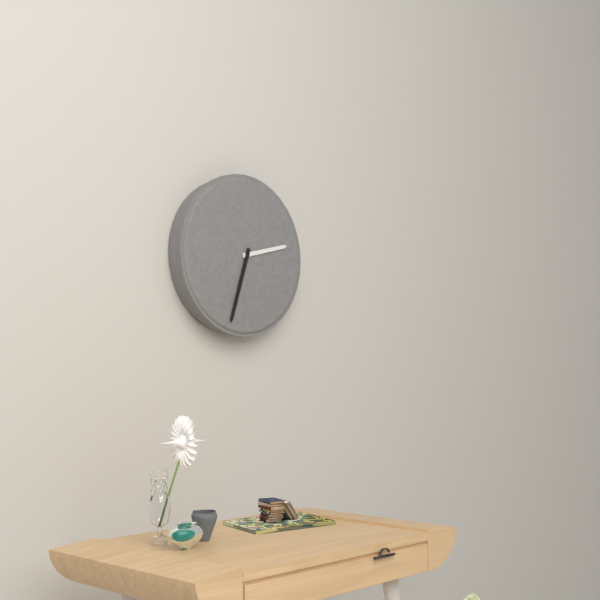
{"hour": 2, "minute": 33}
